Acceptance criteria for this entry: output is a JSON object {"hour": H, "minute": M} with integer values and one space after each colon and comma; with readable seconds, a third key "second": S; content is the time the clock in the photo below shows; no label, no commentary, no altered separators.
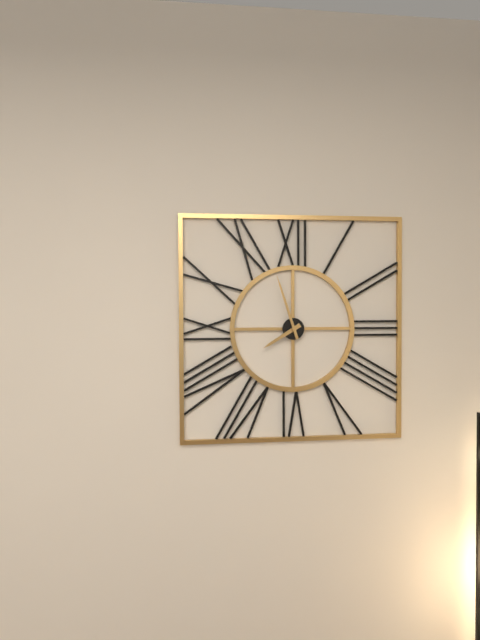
{"hour": 7, "minute": 57}
